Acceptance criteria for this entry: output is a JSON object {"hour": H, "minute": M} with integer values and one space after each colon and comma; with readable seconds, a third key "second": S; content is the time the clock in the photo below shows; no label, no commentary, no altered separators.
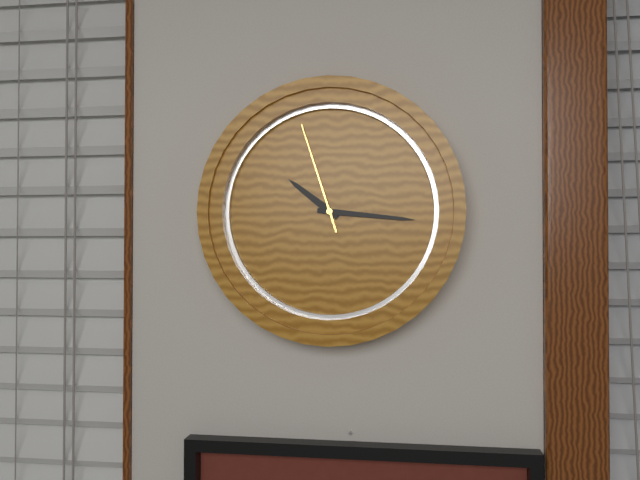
{"hour": 10, "minute": 16, "second": 57}
